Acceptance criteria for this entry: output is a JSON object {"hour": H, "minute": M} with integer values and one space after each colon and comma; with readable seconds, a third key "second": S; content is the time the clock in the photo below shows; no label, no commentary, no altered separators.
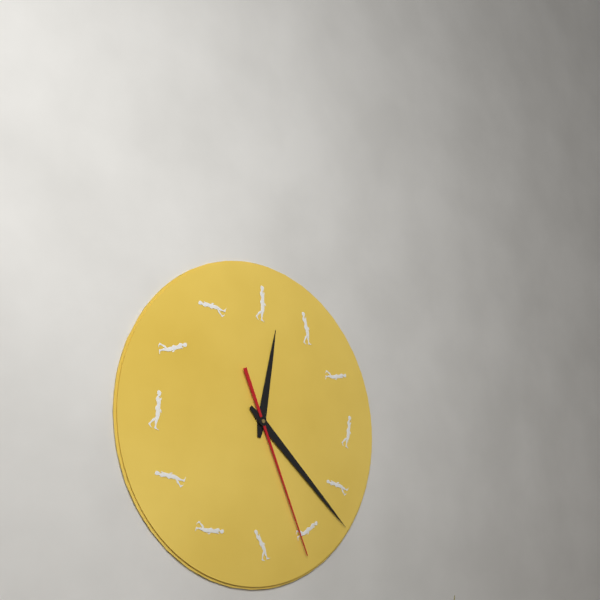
{"hour": 12, "minute": 22, "second": 26}
